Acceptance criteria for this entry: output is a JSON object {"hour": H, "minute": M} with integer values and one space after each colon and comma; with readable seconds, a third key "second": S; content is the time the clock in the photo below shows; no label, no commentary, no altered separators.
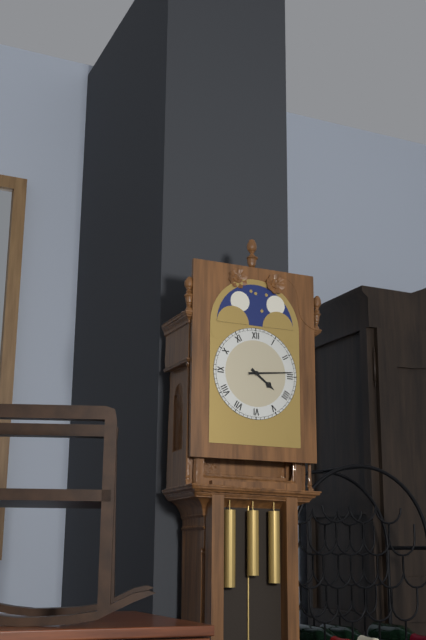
{"hour": 4, "minute": 14}
